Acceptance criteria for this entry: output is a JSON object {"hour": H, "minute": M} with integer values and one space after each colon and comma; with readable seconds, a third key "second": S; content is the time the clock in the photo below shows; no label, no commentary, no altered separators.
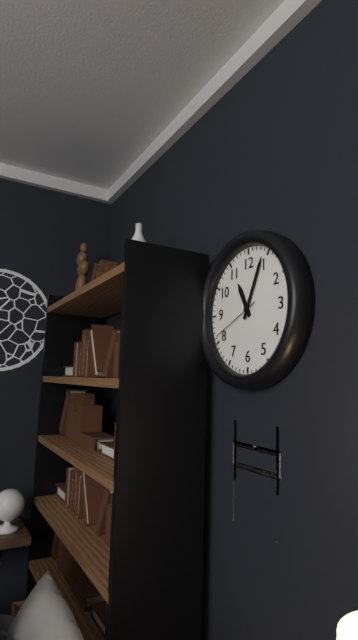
{"hour": 11, "minute": 4, "second": 41}
